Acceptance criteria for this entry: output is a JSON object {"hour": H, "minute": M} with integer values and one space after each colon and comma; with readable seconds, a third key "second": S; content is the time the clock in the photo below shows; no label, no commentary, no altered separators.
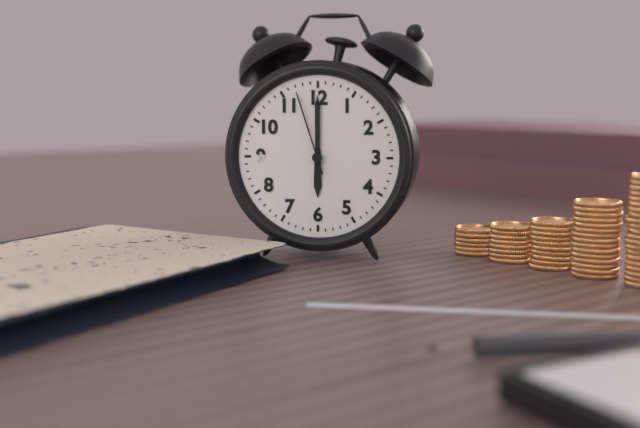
{"hour": 6, "minute": 0, "second": 57}
